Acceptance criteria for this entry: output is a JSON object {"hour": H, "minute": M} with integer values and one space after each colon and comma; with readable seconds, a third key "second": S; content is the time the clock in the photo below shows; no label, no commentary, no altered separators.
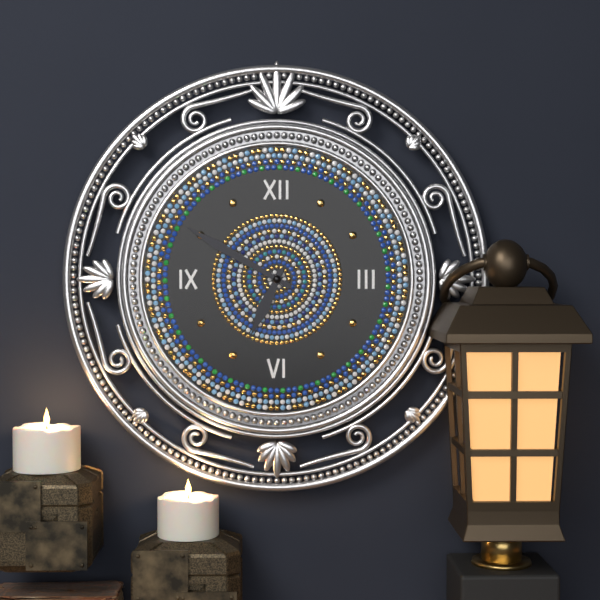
{"hour": 6, "minute": 50}
